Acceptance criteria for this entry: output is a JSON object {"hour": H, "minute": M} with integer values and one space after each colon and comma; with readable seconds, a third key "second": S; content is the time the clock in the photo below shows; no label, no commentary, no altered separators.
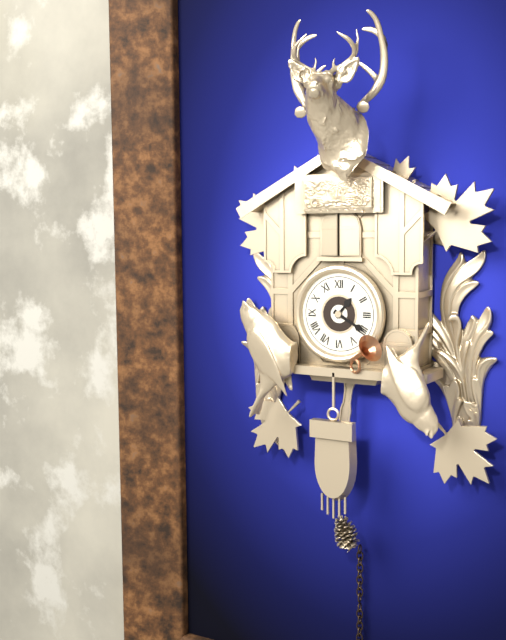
{"hour": 1, "minute": 20}
